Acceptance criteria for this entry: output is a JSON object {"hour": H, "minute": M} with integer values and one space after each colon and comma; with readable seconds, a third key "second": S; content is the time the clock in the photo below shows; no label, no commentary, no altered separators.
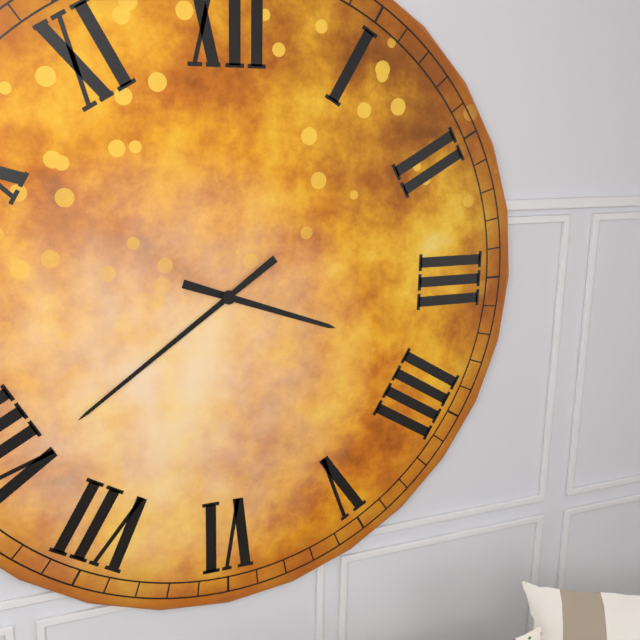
{"hour": 3, "minute": 39}
